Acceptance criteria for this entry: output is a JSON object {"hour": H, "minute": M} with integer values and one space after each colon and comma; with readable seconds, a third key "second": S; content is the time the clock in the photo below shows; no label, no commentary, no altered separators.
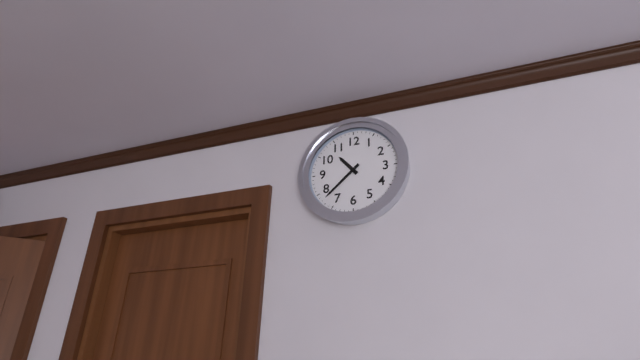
{"hour": 10, "minute": 38}
